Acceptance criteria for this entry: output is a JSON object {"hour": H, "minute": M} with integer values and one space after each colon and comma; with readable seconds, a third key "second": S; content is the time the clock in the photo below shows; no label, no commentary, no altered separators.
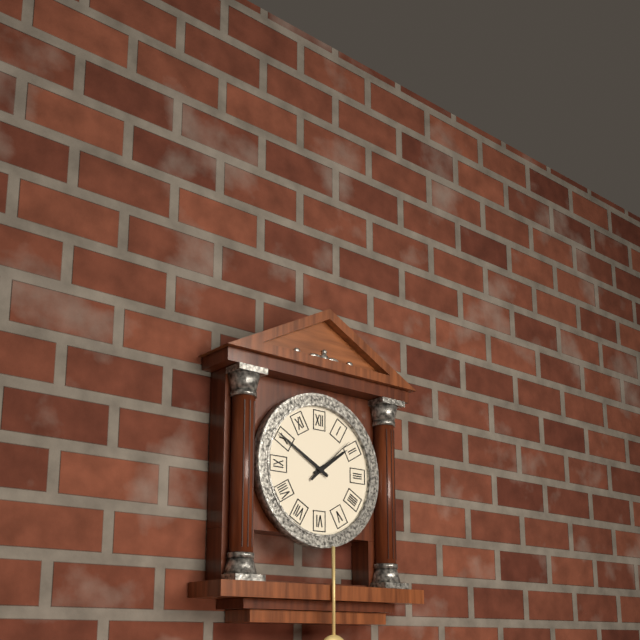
{"hour": 1, "minute": 50}
